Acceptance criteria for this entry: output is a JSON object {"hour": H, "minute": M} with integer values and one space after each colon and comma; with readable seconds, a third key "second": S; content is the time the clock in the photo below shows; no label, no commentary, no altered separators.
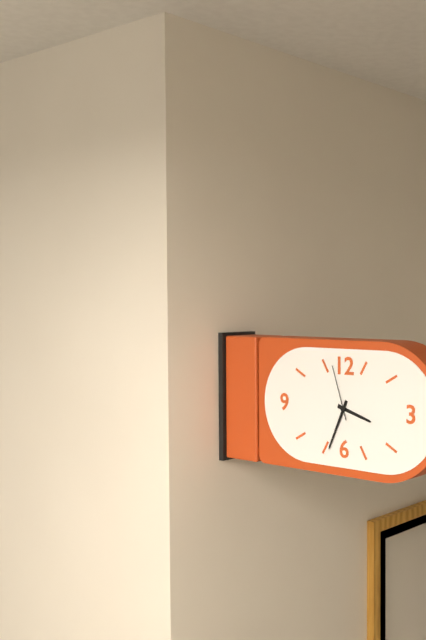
{"hour": 3, "minute": 34, "second": 57}
